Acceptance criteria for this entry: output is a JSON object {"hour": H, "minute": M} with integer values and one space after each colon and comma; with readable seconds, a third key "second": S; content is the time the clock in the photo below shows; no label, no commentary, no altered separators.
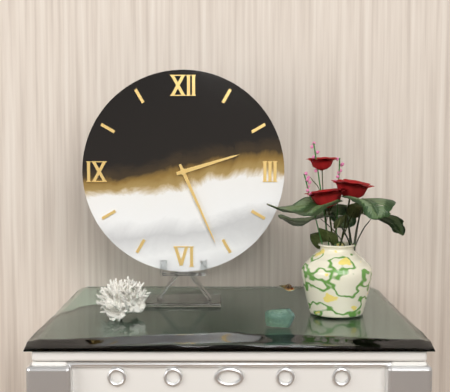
{"hour": 2, "minute": 26}
